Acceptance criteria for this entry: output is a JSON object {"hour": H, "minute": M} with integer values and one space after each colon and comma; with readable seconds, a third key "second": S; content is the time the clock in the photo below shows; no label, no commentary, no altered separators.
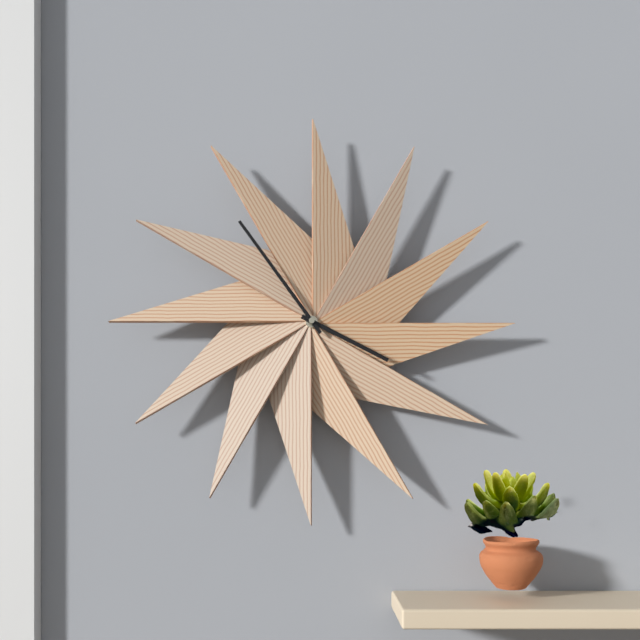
{"hour": 3, "minute": 54}
